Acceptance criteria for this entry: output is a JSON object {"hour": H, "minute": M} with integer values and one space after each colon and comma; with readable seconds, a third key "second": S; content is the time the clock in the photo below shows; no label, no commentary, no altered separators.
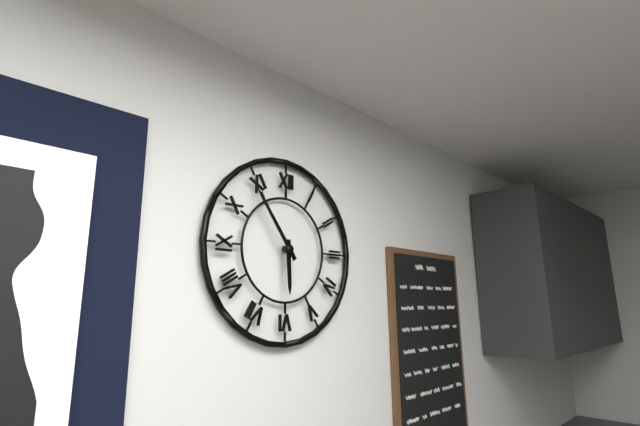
{"hour": 5, "minute": 54}
